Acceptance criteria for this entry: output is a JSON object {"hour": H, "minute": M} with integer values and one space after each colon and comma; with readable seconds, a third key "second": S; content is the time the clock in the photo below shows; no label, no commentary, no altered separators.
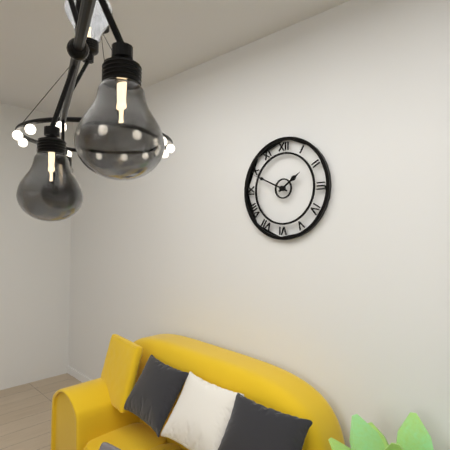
{"hour": 1, "minute": 49}
